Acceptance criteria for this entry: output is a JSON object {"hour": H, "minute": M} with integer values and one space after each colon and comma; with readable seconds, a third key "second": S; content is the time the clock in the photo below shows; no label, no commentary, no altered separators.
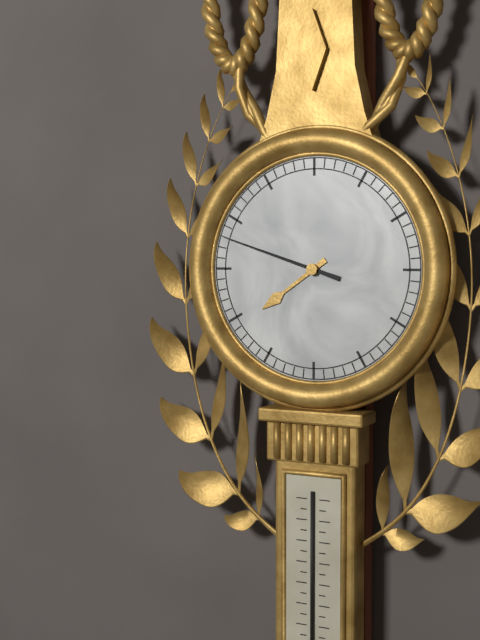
{"hour": 7, "minute": 48}
